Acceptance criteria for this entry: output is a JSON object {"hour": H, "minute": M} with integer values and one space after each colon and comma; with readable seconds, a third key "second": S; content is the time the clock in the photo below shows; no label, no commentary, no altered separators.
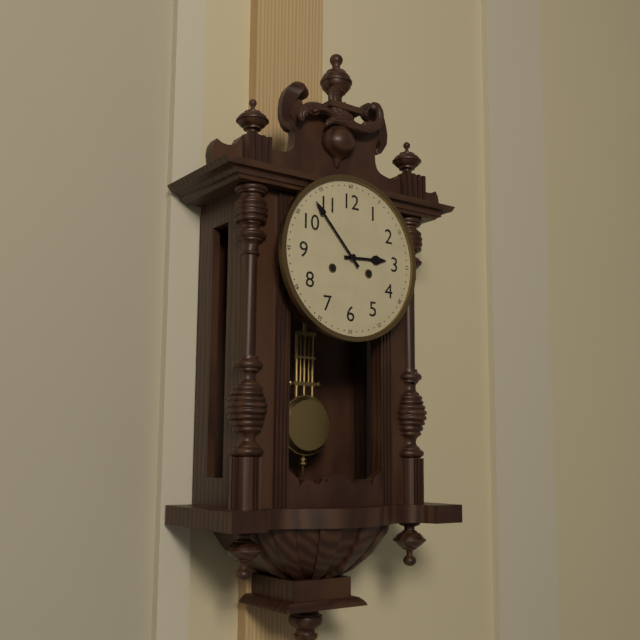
{"hour": 2, "minute": 53}
